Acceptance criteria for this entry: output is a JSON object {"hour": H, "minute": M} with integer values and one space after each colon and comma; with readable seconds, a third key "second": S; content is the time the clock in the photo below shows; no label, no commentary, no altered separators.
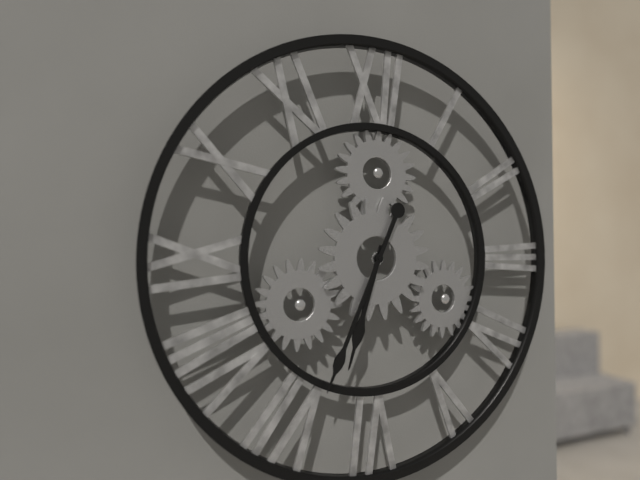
{"hour": 6, "minute": 34}
